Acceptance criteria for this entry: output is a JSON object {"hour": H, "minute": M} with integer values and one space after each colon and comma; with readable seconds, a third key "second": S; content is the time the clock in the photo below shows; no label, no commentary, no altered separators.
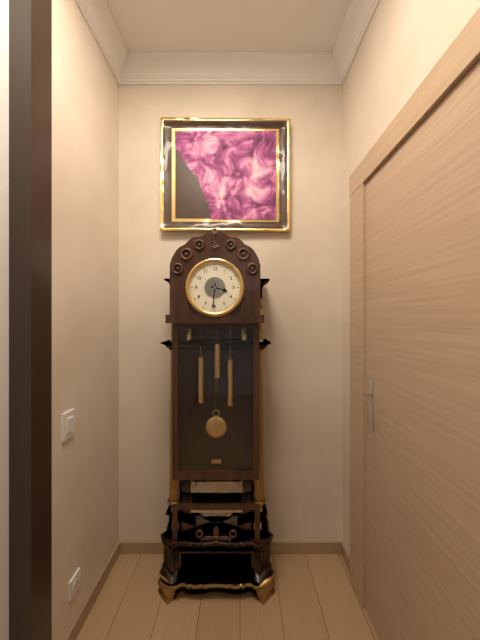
{"hour": 3, "minute": 31}
